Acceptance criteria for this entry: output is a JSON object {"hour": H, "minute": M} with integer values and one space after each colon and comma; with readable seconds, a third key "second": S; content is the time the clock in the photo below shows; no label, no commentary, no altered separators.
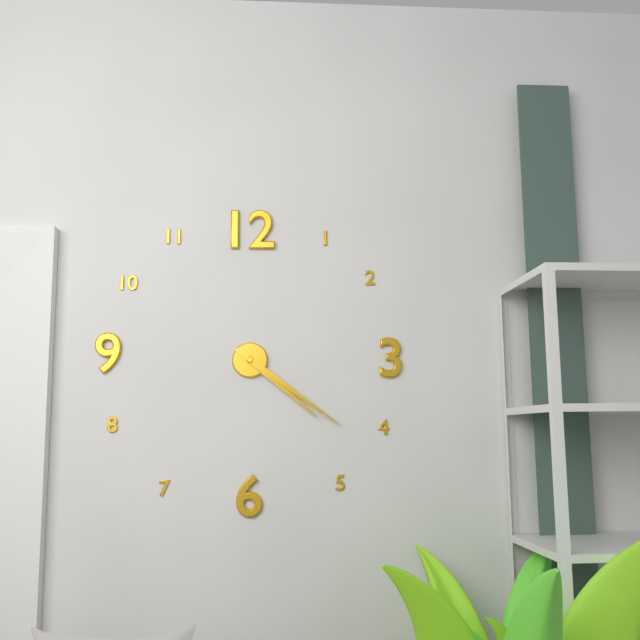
{"hour": 4, "minute": 21}
